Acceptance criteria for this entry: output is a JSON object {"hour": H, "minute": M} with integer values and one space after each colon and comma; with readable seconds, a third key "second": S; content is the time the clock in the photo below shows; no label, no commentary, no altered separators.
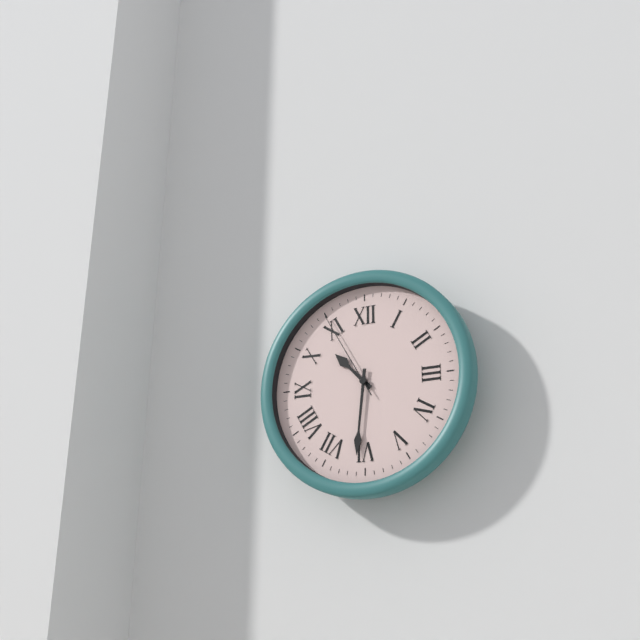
{"hour": 10, "minute": 31, "second": 55}
